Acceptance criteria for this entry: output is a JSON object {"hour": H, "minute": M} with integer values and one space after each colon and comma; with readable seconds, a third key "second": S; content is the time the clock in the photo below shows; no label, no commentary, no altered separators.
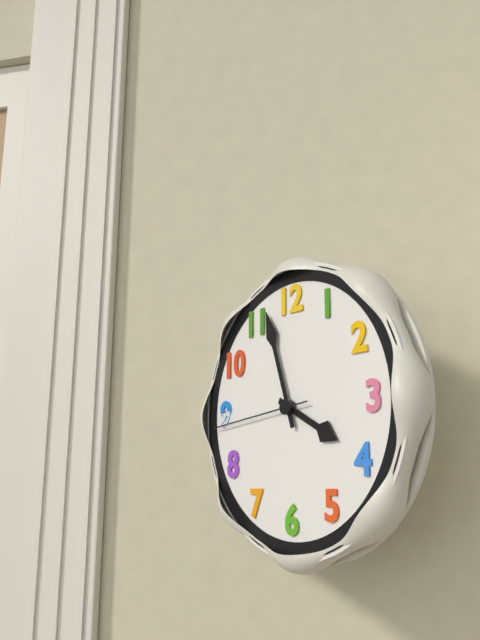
{"hour": 3, "minute": 57, "second": 44}
